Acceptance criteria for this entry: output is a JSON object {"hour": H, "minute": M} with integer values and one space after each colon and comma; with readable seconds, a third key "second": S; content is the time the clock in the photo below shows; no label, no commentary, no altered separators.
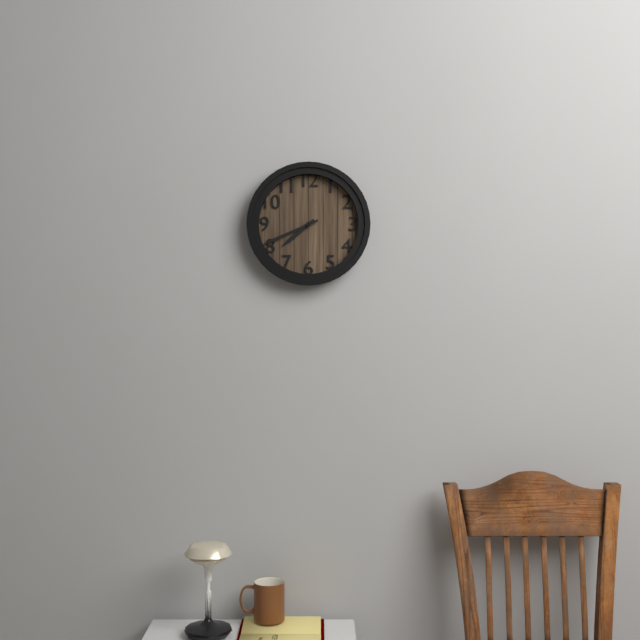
{"hour": 7, "minute": 41}
